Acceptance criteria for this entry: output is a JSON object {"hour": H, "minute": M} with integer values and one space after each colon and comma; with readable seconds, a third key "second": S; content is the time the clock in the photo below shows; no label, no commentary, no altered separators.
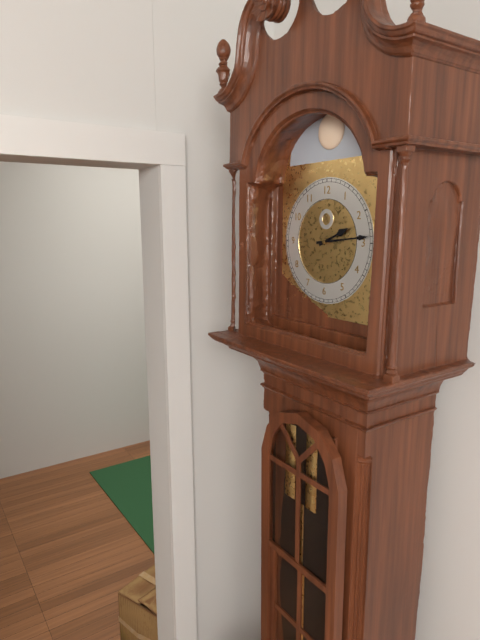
{"hour": 2, "minute": 14}
